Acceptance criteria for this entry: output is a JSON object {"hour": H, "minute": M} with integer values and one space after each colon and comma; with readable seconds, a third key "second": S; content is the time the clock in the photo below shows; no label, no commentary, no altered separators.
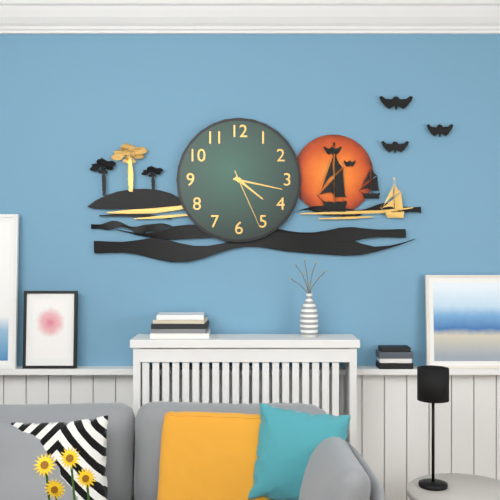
{"hour": 4, "minute": 17, "second": 26}
